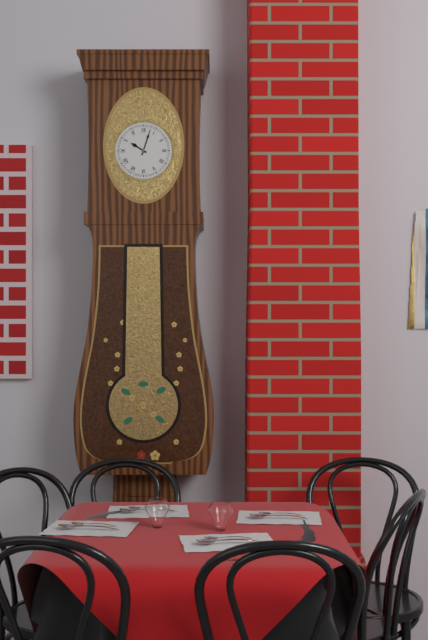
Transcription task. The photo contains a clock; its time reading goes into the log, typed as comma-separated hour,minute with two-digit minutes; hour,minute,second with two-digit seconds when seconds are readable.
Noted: 10,03
